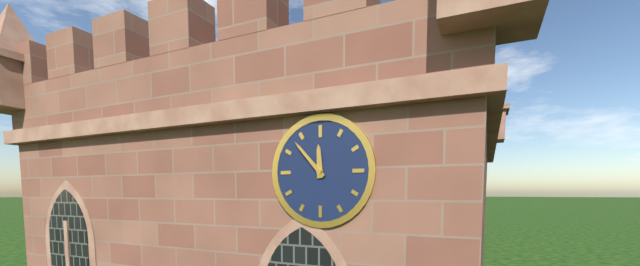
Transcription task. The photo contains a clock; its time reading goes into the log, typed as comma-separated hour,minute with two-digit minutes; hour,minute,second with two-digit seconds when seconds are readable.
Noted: 11,53
